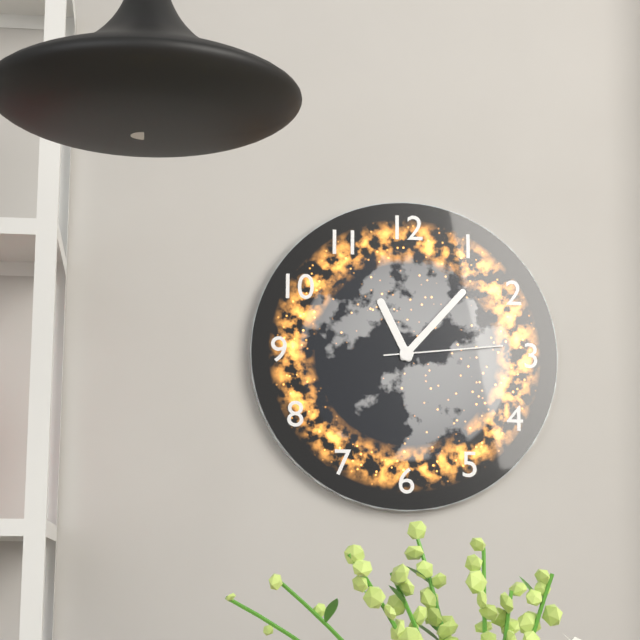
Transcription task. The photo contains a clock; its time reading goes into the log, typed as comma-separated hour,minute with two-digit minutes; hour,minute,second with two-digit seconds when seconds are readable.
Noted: 11,07,14
